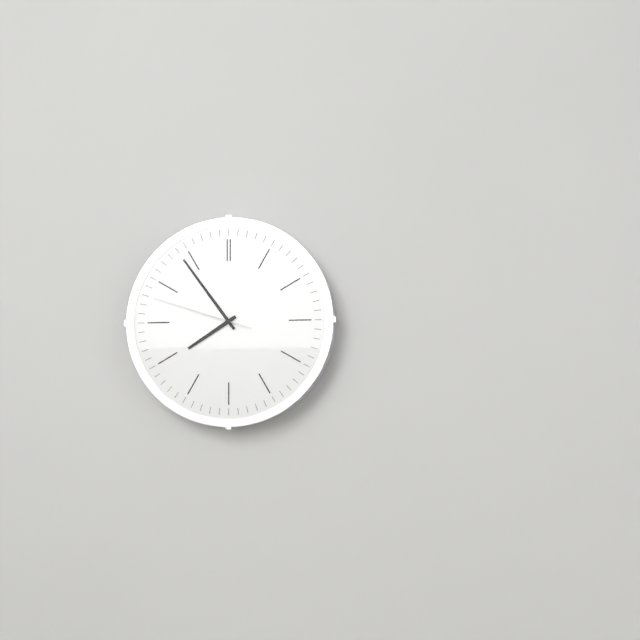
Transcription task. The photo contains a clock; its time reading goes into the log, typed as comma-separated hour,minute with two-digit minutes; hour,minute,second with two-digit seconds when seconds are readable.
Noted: 7,54,48
